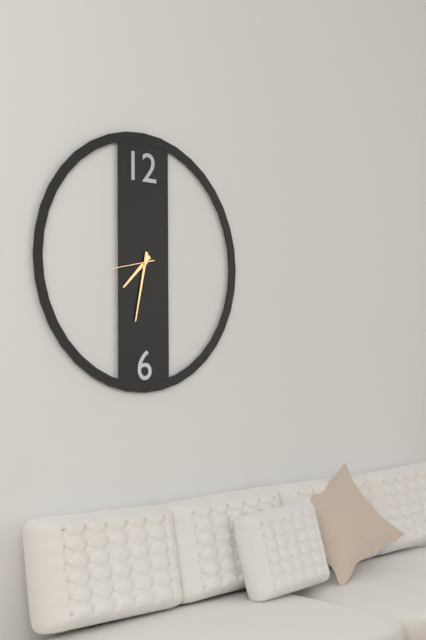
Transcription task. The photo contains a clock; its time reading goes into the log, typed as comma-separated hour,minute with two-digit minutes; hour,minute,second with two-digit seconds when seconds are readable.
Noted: 7,32
